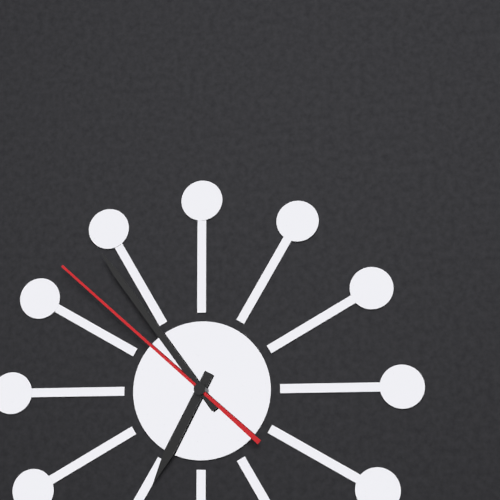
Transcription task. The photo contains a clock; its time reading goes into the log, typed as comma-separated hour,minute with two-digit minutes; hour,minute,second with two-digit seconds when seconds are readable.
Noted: 6,54,52
